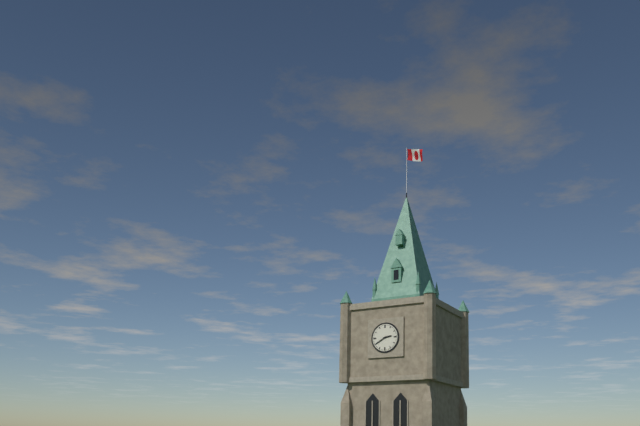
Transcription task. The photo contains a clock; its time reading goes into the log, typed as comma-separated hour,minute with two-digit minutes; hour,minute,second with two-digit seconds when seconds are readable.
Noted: 2,40
